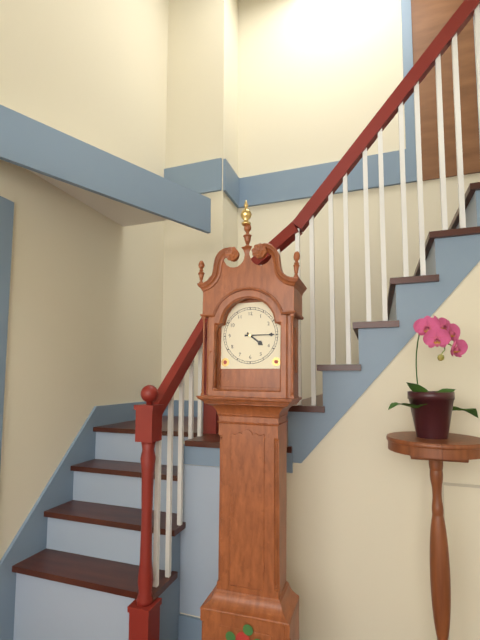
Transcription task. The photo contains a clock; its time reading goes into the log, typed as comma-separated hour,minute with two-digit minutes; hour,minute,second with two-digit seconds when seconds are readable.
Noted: 4,15
